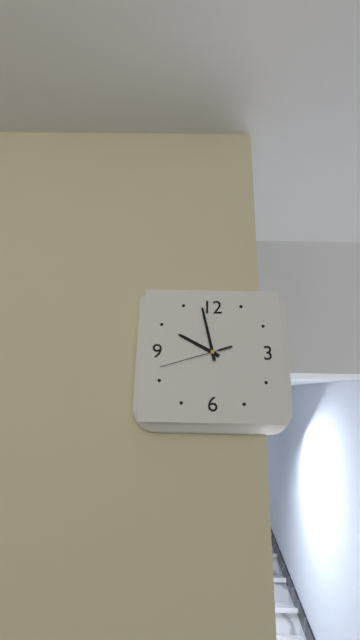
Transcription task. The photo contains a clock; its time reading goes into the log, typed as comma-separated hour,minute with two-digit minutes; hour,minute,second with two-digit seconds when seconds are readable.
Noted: 9,58,42
